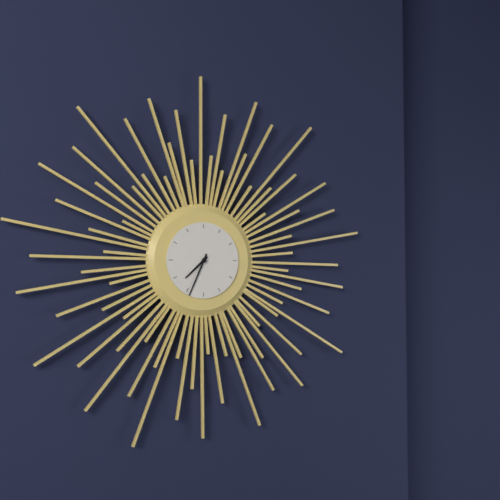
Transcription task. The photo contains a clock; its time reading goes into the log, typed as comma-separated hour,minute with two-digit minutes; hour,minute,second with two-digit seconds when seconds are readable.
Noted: 7,34
